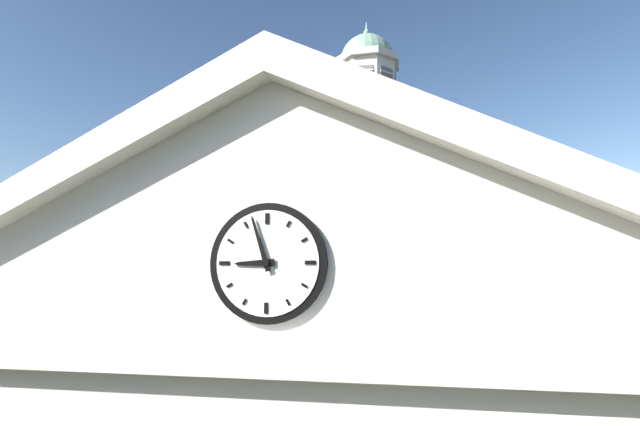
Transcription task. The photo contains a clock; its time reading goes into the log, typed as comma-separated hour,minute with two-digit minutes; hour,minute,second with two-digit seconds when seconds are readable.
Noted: 8,57
